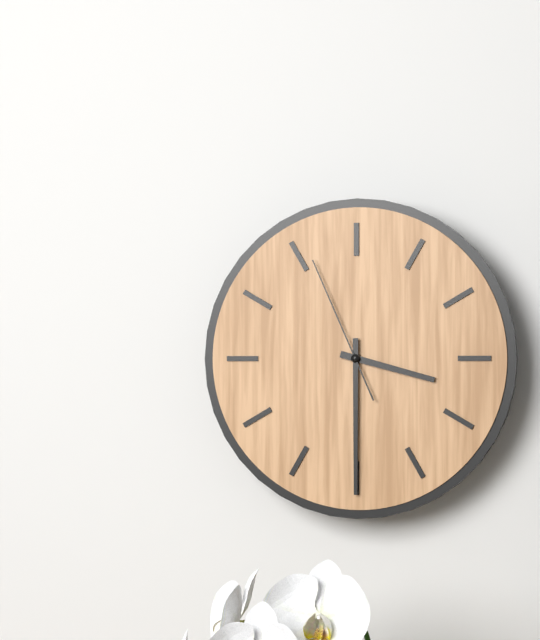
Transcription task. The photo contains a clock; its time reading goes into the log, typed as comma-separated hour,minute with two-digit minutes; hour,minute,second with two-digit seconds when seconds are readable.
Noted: 3,30,56
